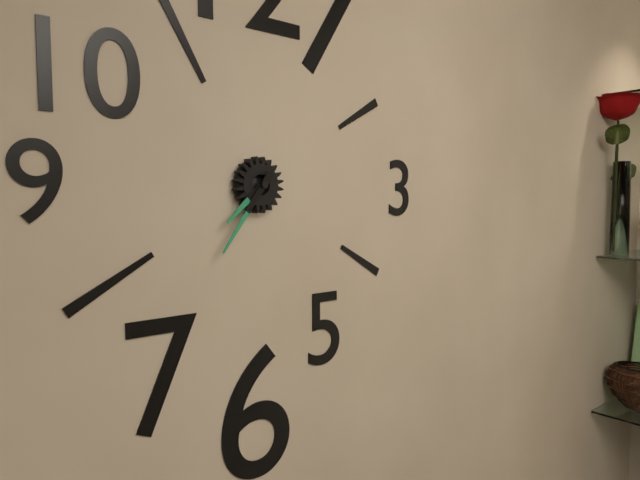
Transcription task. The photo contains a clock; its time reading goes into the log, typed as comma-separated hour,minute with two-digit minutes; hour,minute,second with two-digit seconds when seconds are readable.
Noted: 7,36
